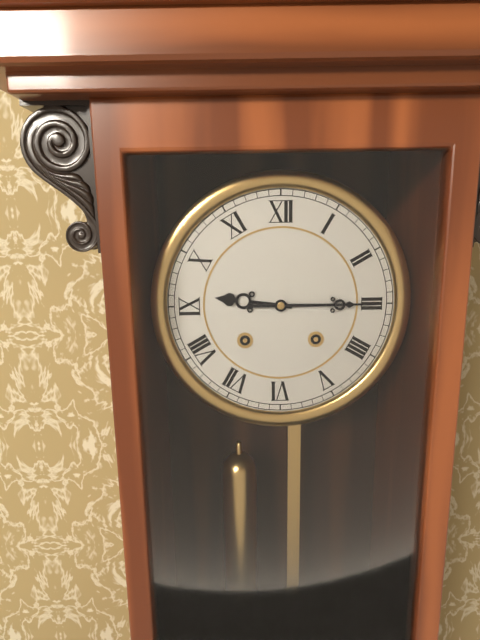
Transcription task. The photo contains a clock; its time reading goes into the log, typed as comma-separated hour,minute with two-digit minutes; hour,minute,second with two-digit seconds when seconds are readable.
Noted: 9,15
